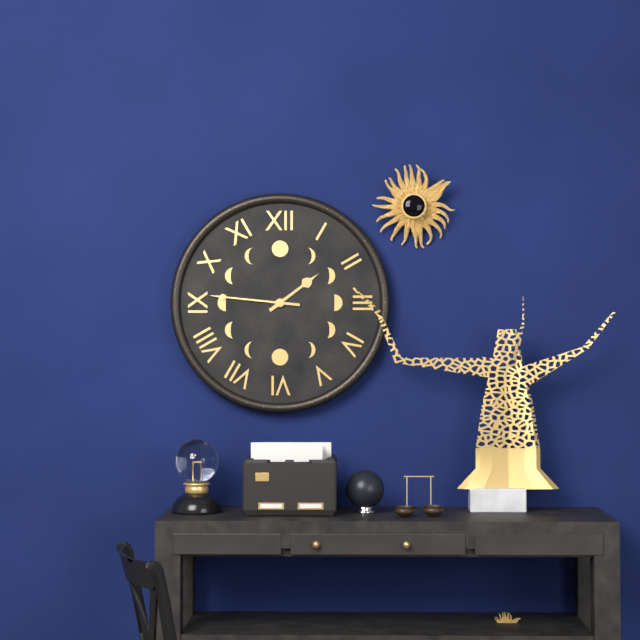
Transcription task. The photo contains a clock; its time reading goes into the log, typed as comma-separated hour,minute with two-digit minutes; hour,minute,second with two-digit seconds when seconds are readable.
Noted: 1,46
